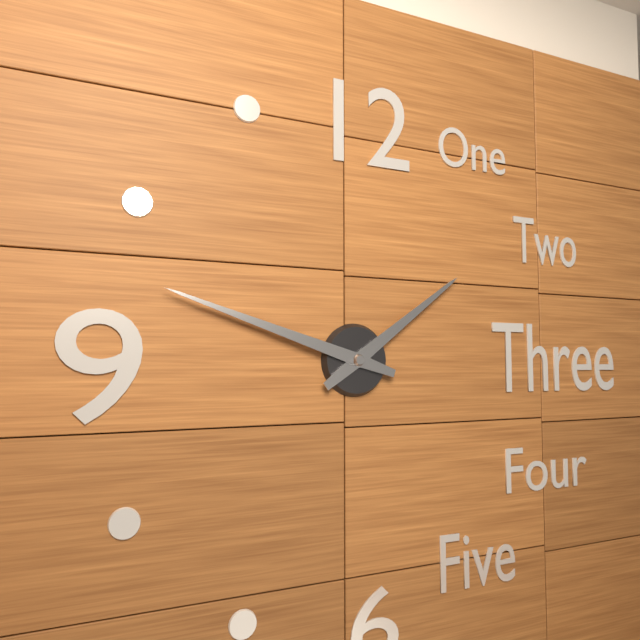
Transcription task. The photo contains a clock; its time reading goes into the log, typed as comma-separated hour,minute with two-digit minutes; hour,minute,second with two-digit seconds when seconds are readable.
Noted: 1,48
